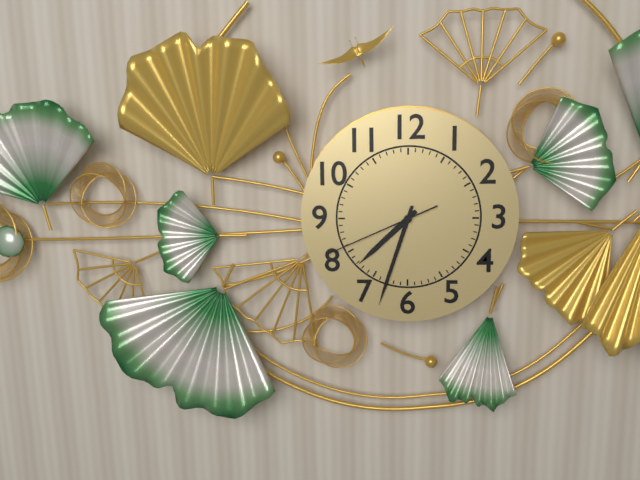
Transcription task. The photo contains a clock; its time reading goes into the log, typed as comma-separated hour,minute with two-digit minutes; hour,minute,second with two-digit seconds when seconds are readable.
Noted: 7,33,41
